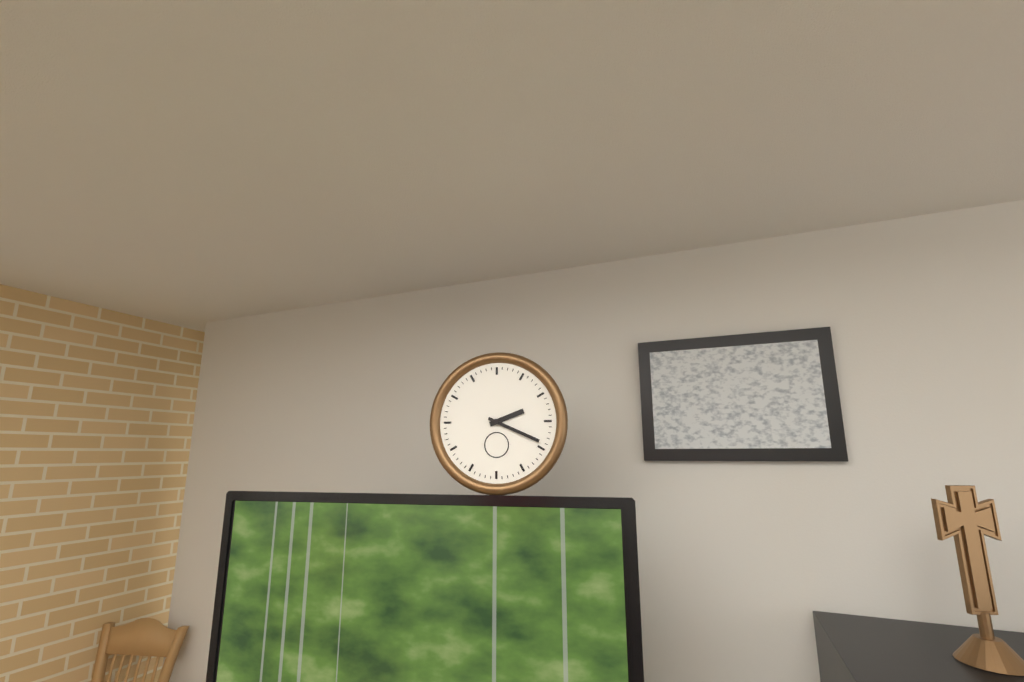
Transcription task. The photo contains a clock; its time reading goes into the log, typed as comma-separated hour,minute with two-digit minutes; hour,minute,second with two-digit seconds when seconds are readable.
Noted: 2,19
